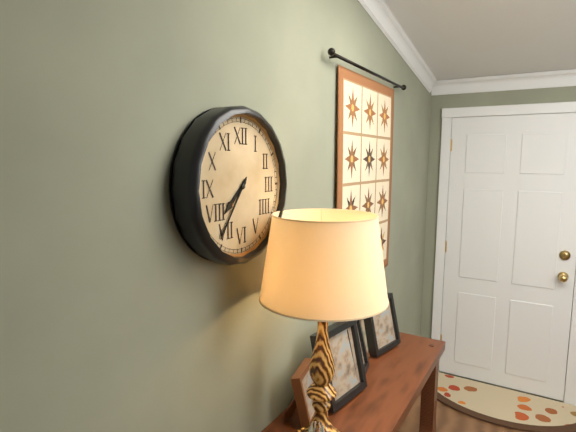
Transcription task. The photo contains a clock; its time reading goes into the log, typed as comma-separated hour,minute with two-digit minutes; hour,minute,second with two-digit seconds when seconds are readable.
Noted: 7,36
